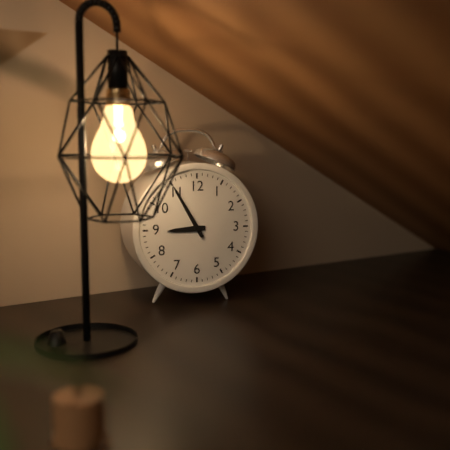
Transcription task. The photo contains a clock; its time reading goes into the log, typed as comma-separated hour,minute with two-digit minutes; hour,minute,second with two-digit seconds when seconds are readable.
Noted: 8,55
